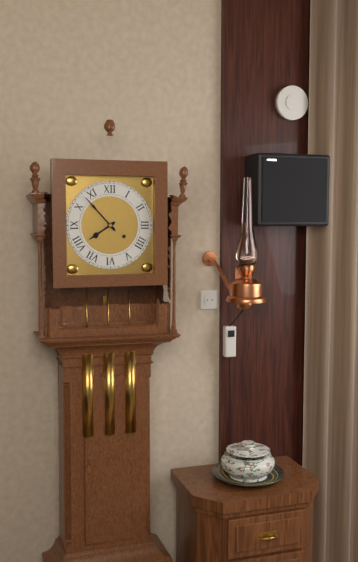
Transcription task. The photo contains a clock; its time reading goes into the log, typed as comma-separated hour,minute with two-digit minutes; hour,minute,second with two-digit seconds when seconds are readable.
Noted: 7,53
